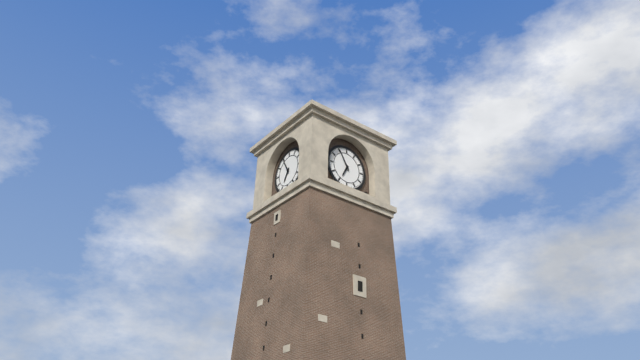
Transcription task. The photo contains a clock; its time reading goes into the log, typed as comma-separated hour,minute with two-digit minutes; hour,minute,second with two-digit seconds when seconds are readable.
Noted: 6,55
